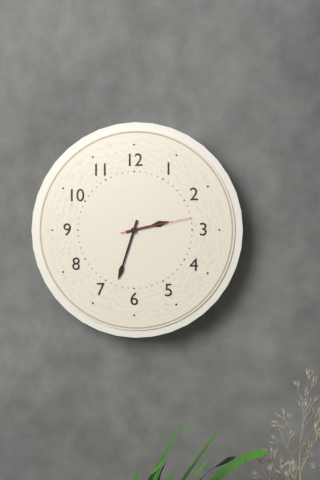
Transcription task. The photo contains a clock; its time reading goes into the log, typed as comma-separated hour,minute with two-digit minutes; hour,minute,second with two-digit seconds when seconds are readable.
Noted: 2,33,13
